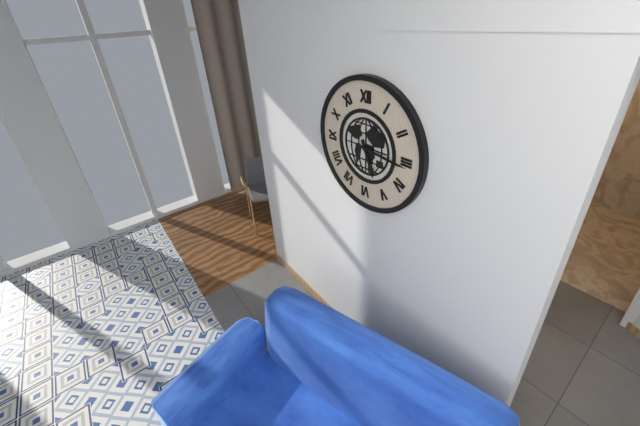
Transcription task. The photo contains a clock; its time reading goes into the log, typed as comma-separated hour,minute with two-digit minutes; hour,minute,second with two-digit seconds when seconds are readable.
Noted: 5,16
